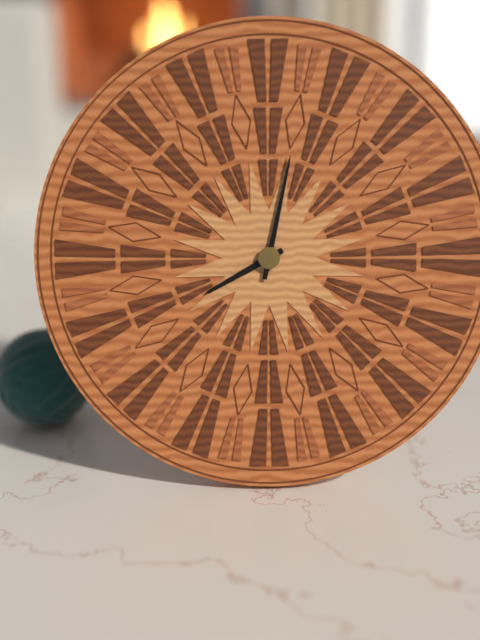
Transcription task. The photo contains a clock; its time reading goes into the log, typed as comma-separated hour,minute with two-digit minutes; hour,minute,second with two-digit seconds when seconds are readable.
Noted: 8,02
